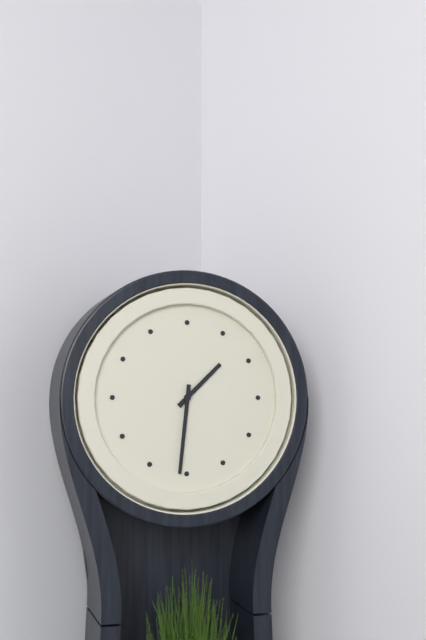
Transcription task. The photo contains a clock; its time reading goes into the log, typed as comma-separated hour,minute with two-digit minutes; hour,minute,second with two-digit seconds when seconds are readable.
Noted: 1,31
